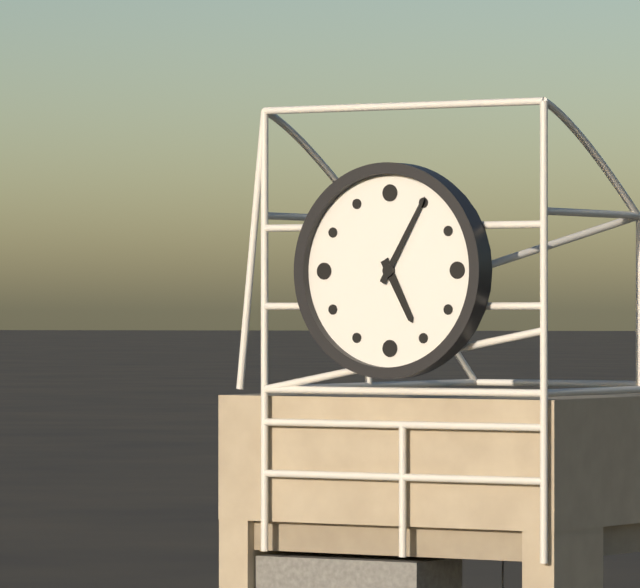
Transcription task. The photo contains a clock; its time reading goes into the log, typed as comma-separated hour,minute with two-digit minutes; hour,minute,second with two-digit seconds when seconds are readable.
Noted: 5,05
